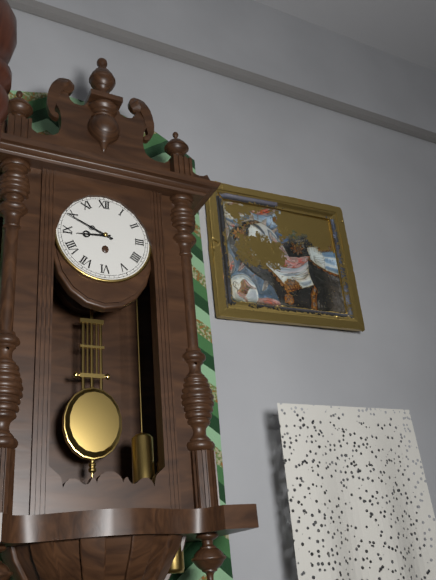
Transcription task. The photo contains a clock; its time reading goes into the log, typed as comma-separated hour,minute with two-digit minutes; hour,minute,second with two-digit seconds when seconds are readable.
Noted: 8,49
